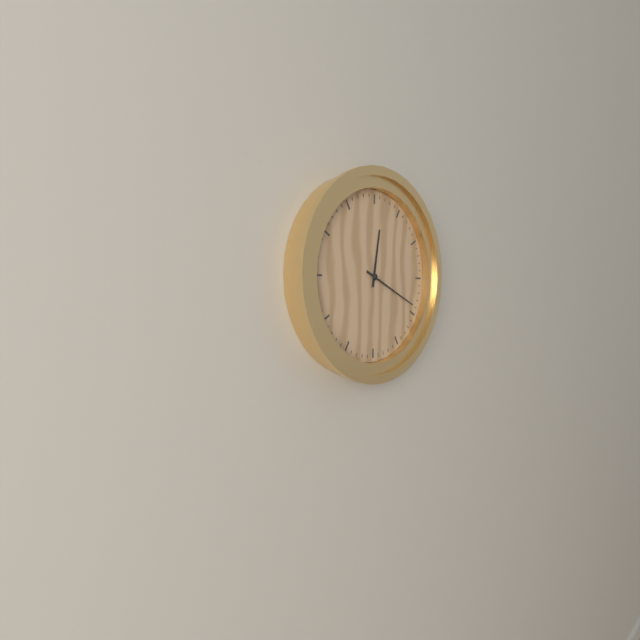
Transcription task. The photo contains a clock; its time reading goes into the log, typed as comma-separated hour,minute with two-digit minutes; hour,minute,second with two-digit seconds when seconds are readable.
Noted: 12,19
